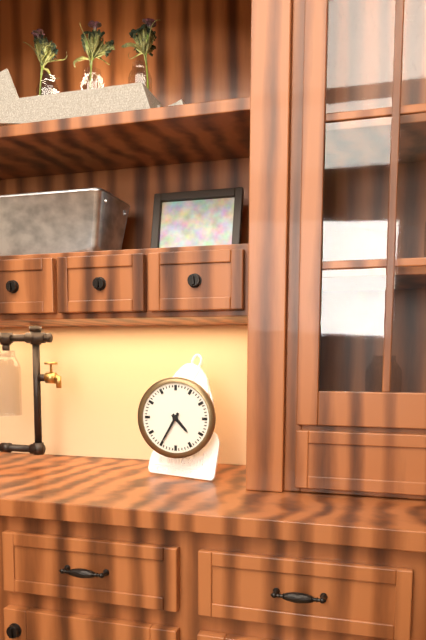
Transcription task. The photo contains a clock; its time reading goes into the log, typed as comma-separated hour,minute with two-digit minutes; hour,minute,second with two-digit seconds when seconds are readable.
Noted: 4,35
